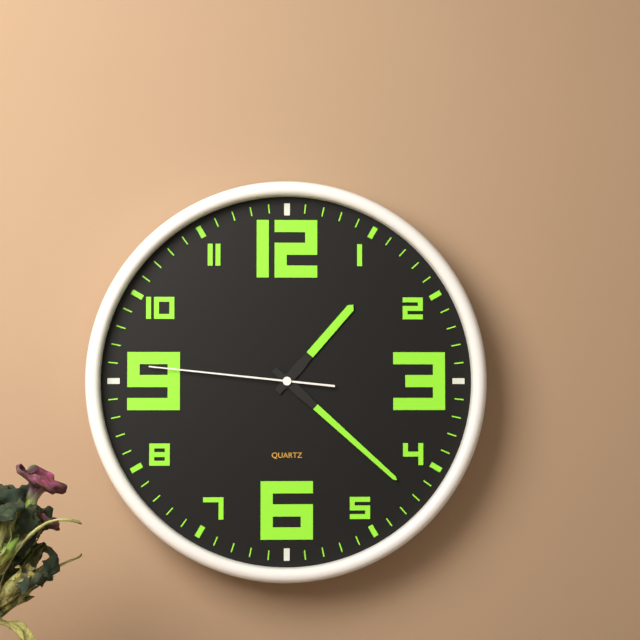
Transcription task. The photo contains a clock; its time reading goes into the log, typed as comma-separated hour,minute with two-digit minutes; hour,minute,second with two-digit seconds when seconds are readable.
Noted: 1,22,46
